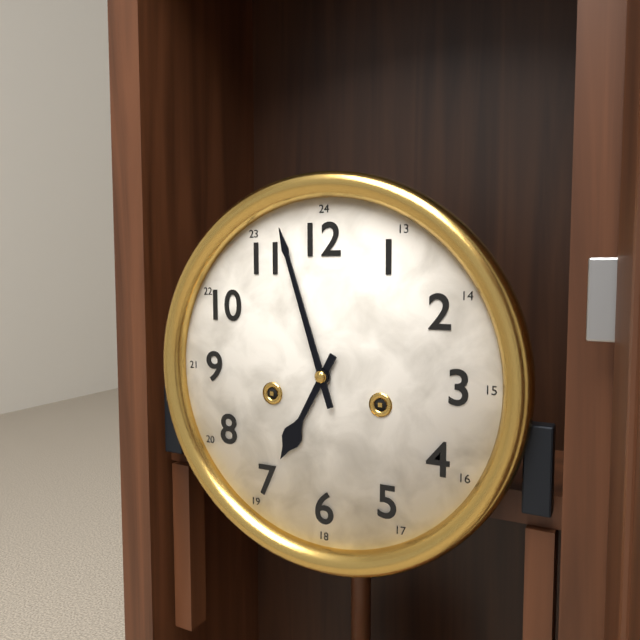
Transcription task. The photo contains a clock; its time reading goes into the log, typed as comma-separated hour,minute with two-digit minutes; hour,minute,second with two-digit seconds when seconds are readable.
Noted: 6,57
